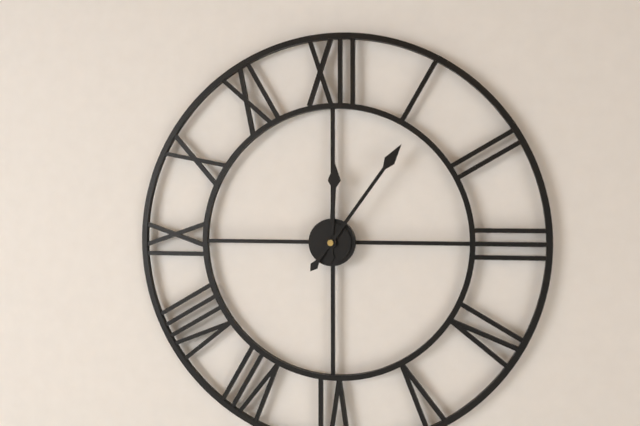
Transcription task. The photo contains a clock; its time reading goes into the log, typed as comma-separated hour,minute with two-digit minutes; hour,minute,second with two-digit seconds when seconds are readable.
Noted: 12,06
